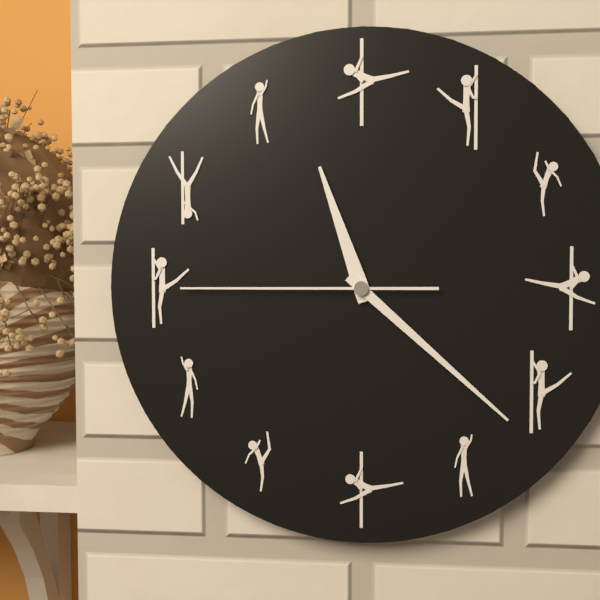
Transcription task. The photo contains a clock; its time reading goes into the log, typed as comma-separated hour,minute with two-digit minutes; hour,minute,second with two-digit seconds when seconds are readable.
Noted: 11,22,45
